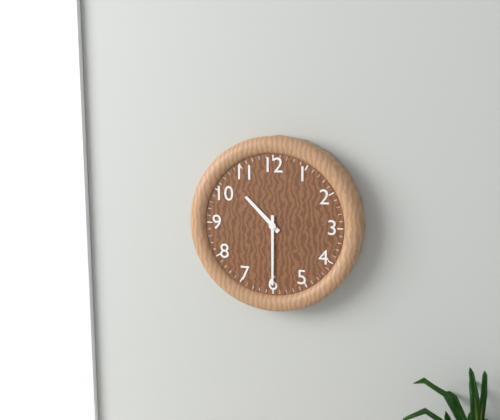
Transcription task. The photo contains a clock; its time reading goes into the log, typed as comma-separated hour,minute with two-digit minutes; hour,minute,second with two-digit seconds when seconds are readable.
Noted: 10,30
